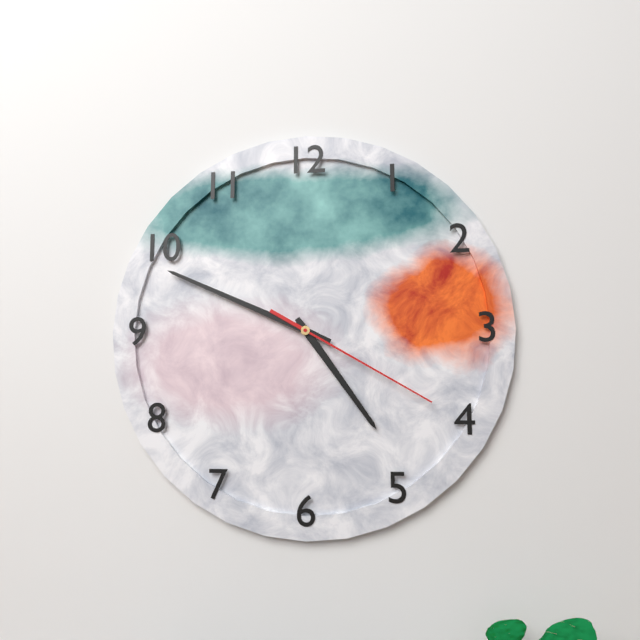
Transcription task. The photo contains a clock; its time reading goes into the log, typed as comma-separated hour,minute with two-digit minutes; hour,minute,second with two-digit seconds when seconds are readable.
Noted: 4,49,20
